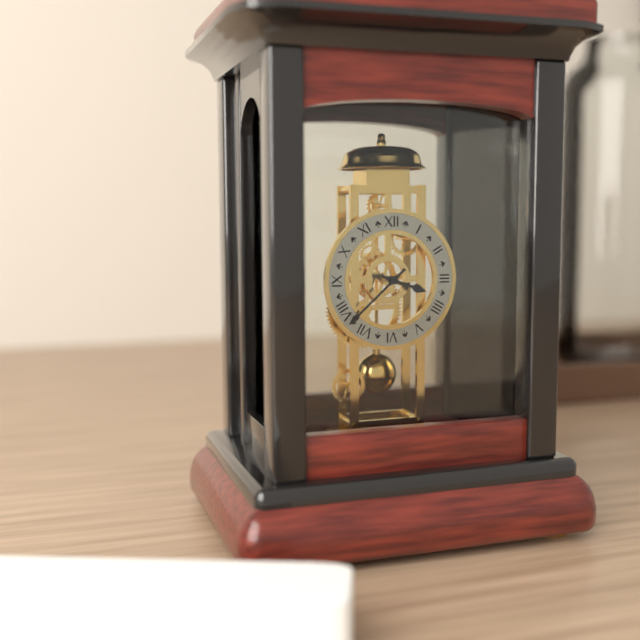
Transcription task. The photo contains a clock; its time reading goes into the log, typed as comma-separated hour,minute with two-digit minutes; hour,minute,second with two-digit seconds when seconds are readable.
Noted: 3,38
